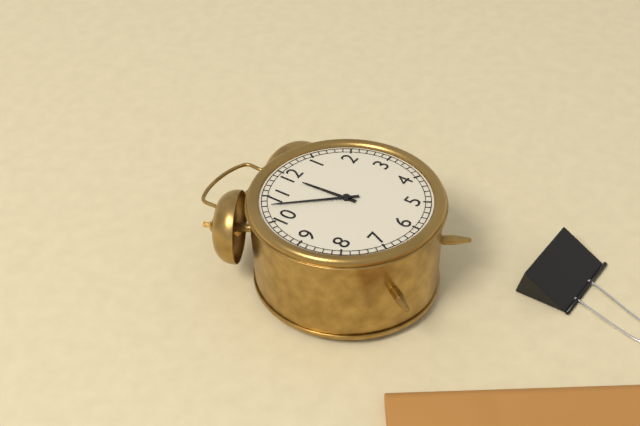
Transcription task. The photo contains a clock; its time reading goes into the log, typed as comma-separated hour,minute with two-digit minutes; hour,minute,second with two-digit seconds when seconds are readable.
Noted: 11,53
